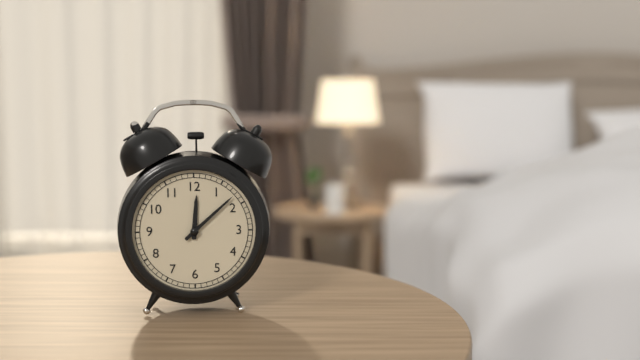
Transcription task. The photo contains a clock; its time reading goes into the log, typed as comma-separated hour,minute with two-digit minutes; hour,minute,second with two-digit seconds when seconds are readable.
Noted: 12,08
